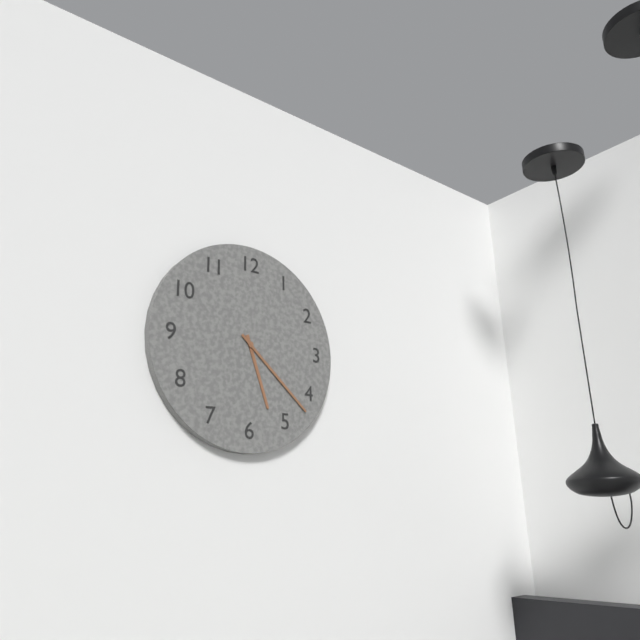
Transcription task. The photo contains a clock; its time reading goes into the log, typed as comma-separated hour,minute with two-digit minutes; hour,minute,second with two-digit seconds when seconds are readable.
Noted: 5,22
